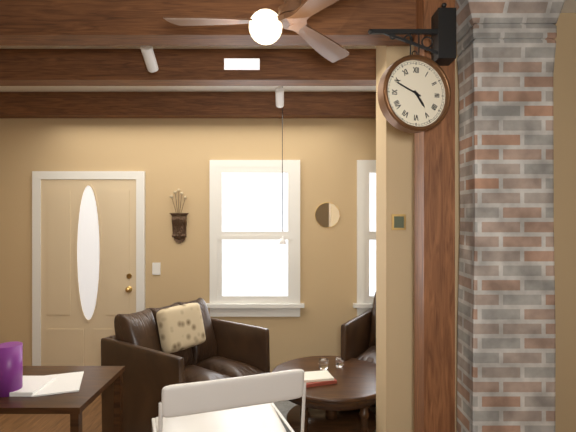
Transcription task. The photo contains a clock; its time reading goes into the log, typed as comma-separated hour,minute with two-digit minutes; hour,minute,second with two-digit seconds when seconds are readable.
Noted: 4,49
